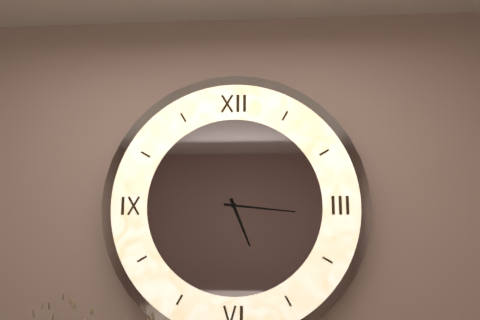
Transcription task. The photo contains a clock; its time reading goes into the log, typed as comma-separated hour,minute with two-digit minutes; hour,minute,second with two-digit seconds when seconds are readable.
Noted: 5,16
